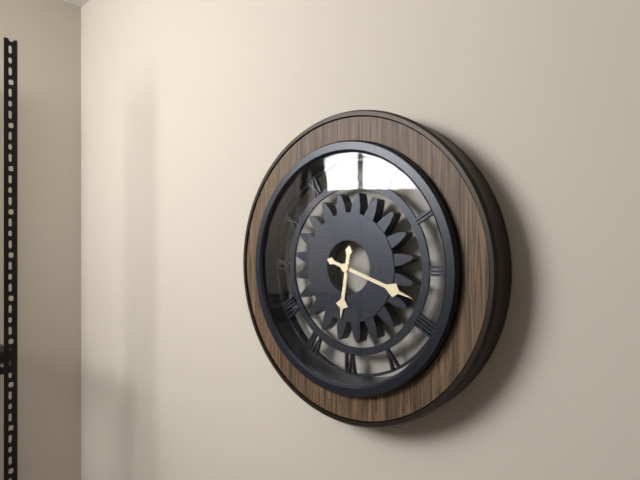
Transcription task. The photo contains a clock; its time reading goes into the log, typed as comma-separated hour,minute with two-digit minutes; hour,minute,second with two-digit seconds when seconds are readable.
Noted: 6,18
